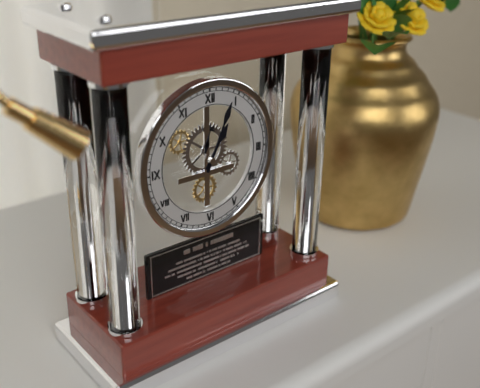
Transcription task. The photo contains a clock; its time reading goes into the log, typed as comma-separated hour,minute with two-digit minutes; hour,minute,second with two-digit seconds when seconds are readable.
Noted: 1,04
